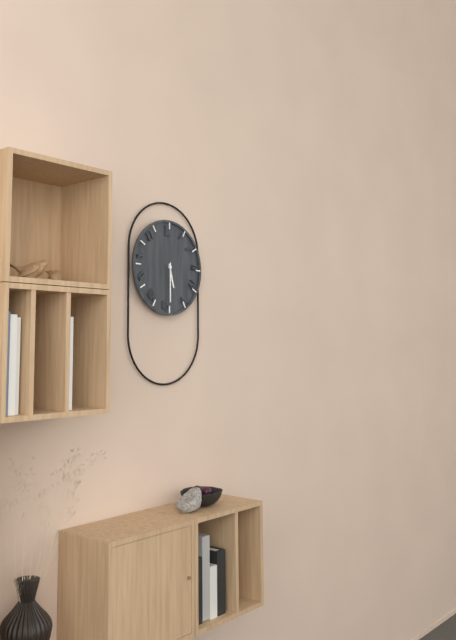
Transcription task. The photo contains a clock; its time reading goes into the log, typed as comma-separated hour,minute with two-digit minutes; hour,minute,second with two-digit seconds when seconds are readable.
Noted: 5,30
